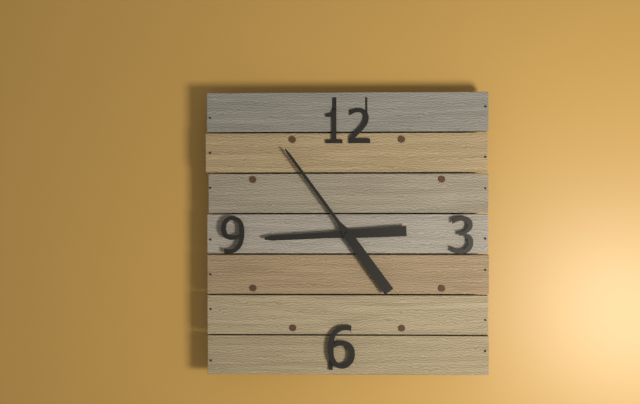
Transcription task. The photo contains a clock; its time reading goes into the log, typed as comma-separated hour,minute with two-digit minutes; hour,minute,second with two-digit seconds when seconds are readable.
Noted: 8,54
